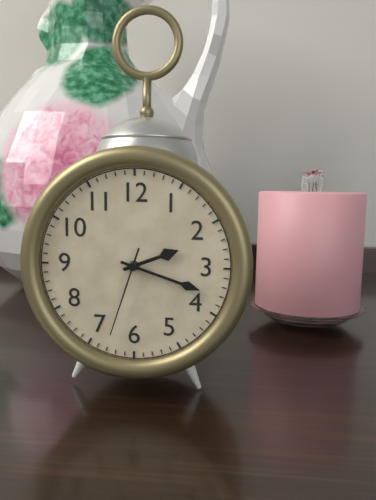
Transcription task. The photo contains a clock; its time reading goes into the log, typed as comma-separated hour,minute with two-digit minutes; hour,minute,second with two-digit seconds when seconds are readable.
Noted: 2,18,33
